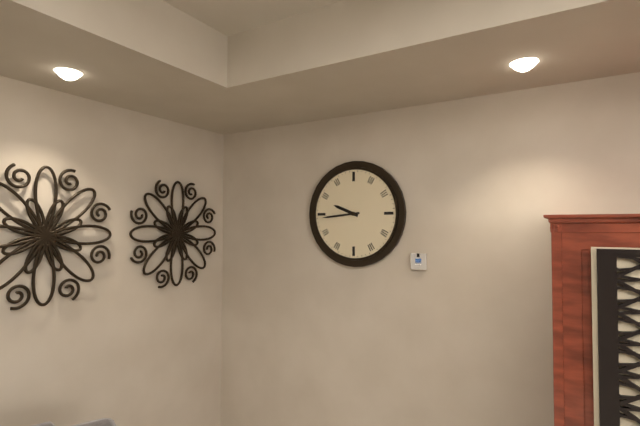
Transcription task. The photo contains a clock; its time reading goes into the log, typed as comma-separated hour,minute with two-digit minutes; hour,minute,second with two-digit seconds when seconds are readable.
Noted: 9,44
